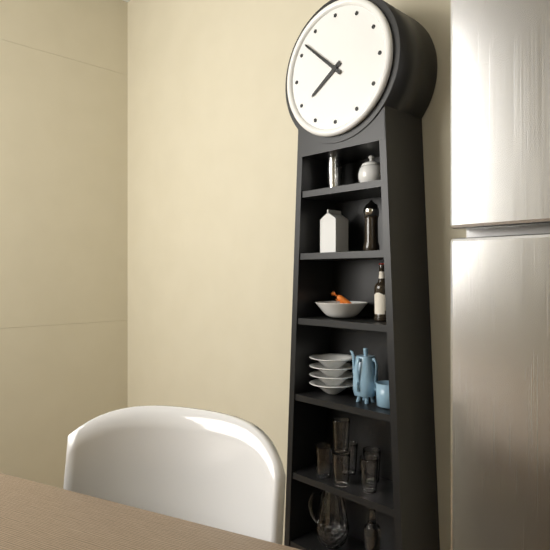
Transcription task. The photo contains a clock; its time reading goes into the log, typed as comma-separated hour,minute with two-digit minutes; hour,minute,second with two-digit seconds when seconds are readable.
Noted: 7,52
